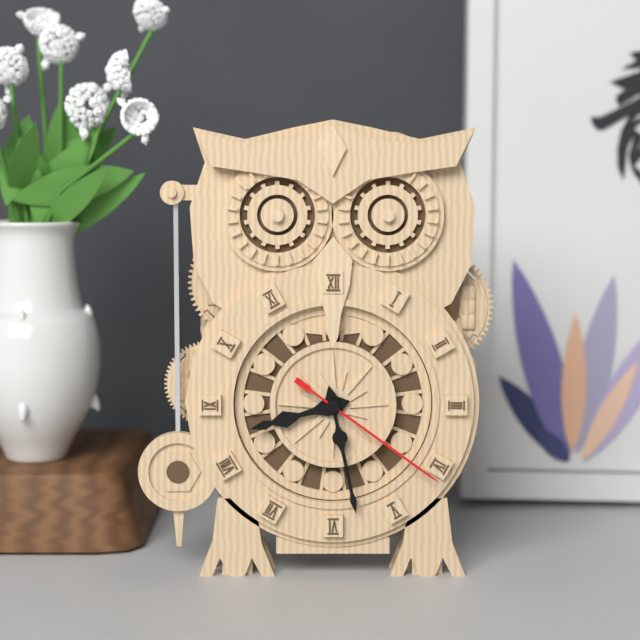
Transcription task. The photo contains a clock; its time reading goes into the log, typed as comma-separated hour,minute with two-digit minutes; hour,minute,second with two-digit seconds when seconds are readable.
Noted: 8,28,21
